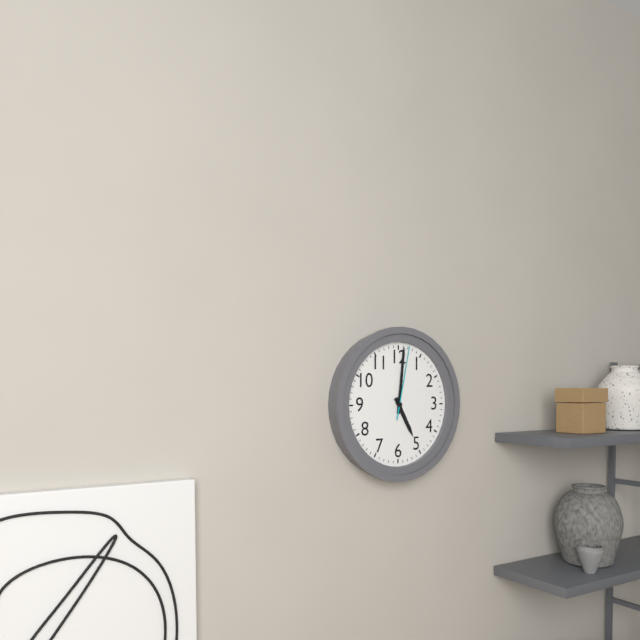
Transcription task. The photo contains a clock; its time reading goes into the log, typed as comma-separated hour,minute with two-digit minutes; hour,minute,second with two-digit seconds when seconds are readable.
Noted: 5,01,02
